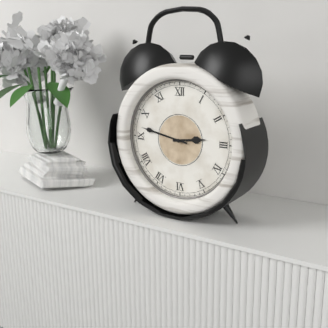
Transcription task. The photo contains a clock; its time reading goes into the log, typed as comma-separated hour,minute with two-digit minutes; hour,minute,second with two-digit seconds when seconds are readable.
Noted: 2,47
